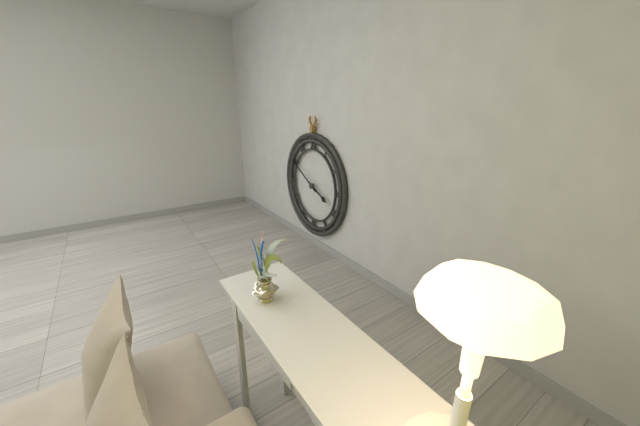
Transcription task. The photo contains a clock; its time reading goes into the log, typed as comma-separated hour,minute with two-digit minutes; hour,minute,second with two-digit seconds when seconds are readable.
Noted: 3,50
